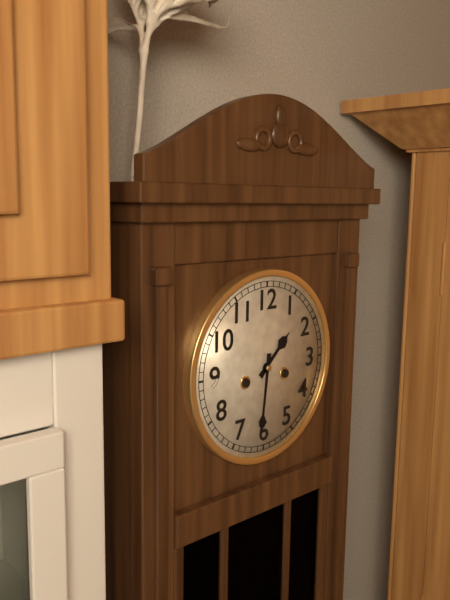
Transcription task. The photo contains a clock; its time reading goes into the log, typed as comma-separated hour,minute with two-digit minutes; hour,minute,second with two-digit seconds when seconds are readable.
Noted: 1,31
